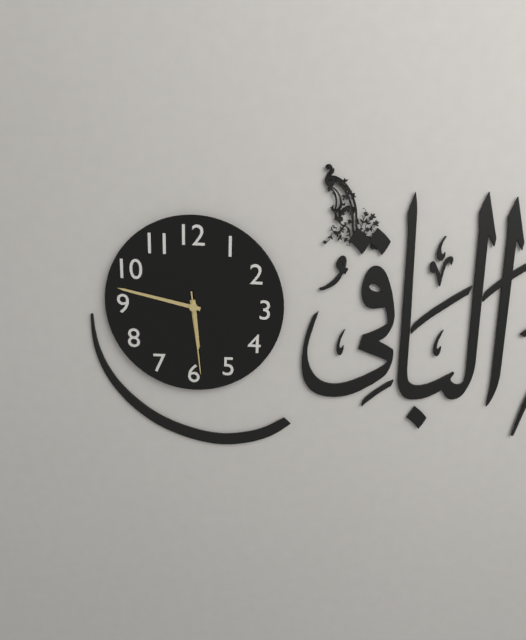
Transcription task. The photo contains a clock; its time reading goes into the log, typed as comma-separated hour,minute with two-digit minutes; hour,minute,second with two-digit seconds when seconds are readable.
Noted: 5,47,29
